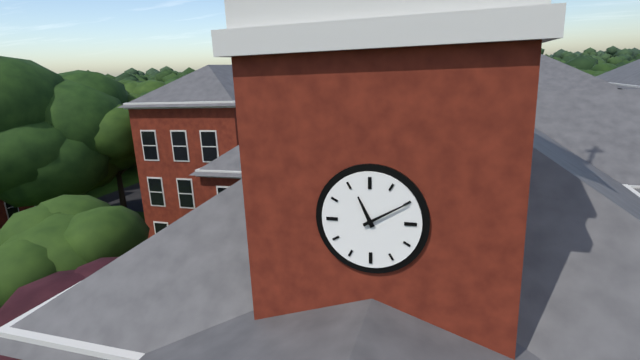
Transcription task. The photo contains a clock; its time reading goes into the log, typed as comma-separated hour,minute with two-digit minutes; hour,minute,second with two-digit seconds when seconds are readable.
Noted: 11,10
